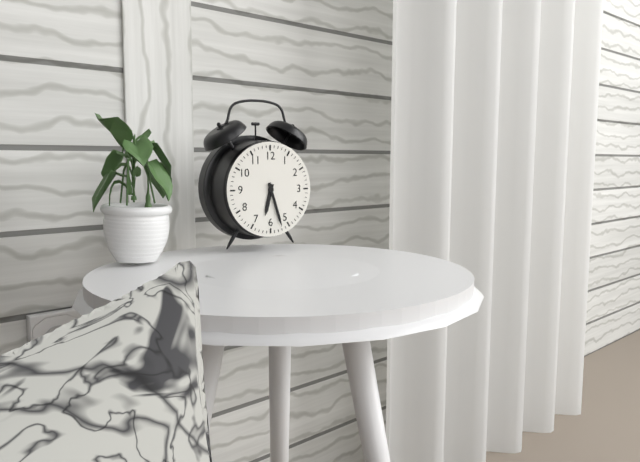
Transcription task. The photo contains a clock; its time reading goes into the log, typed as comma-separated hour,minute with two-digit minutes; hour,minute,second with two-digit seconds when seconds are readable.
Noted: 6,27
